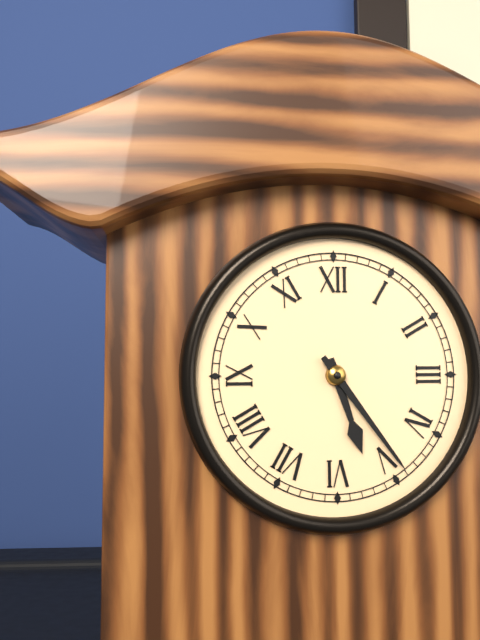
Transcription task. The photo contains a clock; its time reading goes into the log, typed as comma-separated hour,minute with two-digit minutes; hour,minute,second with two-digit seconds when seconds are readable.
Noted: 5,24
